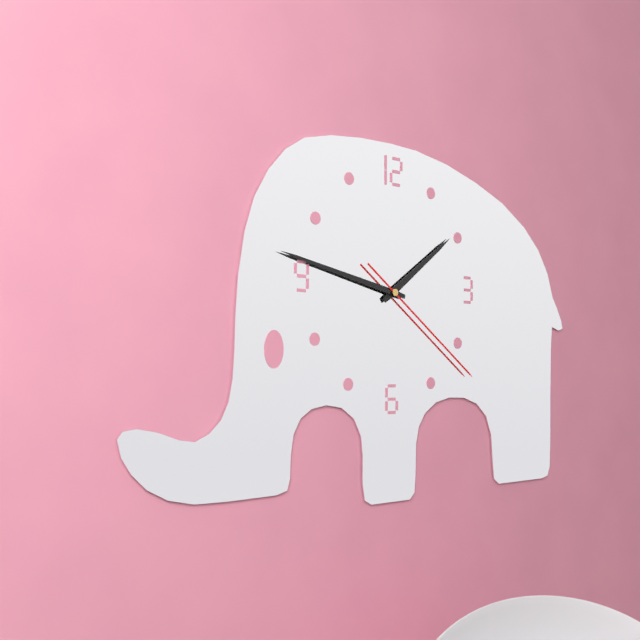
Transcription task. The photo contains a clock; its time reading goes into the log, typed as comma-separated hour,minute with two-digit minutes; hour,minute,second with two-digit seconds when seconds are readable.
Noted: 1,47,21
